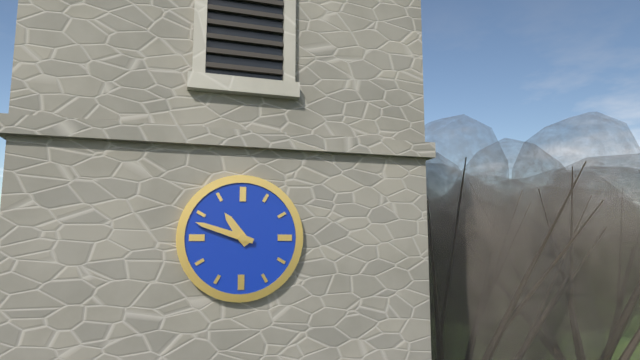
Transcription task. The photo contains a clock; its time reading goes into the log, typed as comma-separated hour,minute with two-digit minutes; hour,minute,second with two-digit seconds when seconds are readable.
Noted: 10,48
